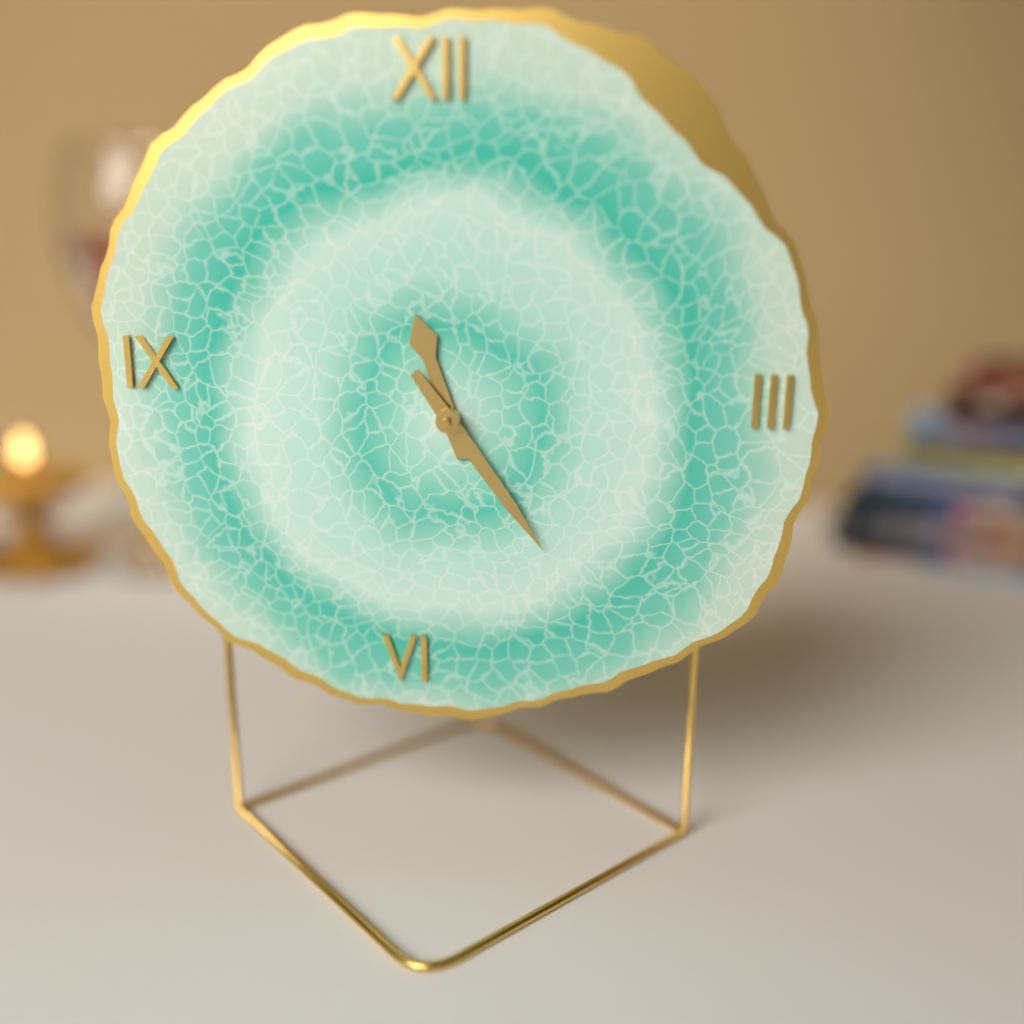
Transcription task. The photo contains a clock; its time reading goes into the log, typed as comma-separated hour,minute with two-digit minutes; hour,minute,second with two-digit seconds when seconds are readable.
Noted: 11,24
